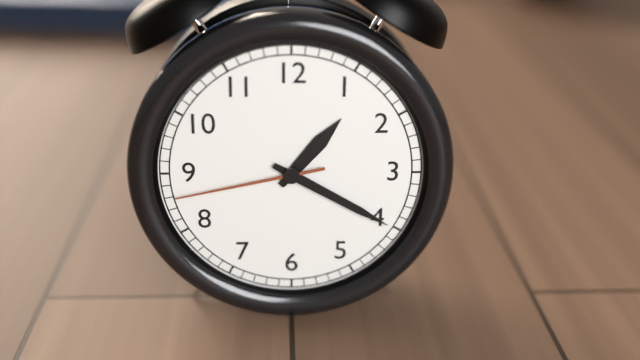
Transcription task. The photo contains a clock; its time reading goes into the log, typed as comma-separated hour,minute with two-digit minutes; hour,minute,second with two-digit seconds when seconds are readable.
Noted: 1,20,43
